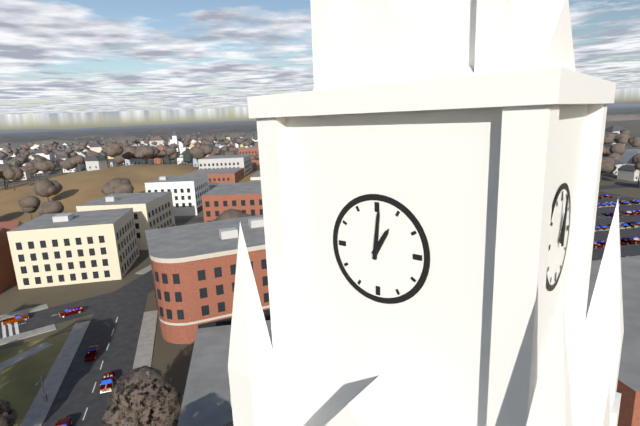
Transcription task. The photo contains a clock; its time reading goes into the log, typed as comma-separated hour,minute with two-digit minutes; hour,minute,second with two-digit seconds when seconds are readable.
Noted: 1,01
